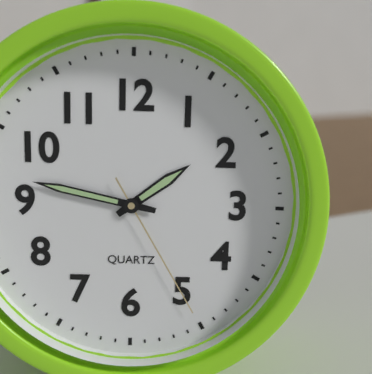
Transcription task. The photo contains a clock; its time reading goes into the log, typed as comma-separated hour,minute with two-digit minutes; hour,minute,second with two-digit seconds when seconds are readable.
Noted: 1,47,25
